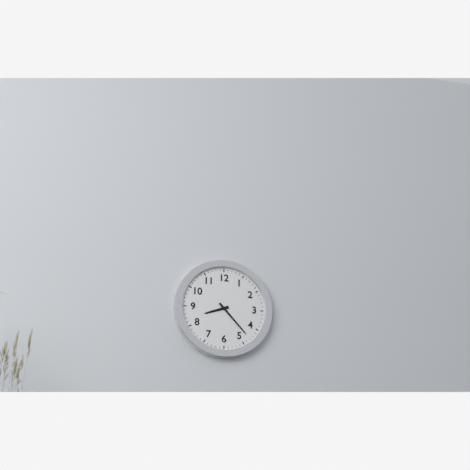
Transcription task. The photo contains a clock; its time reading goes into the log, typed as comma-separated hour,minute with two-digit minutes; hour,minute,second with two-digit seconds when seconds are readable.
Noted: 8,23
